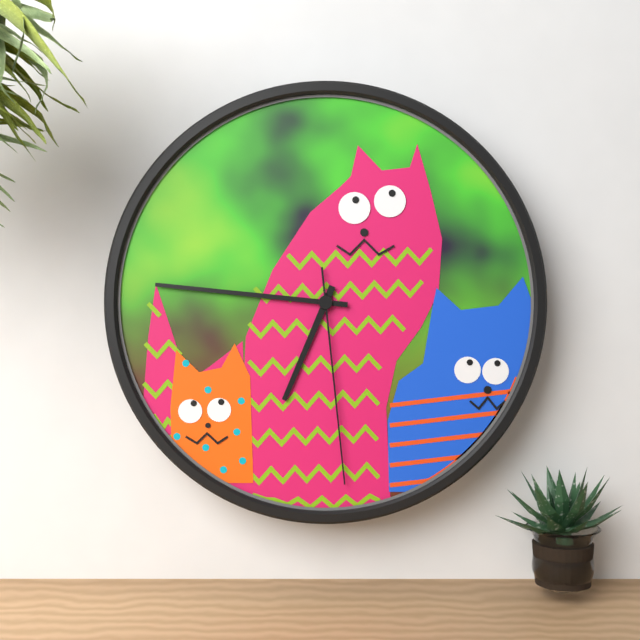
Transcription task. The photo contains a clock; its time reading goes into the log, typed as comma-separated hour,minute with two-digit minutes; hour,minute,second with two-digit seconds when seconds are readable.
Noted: 6,46,29
